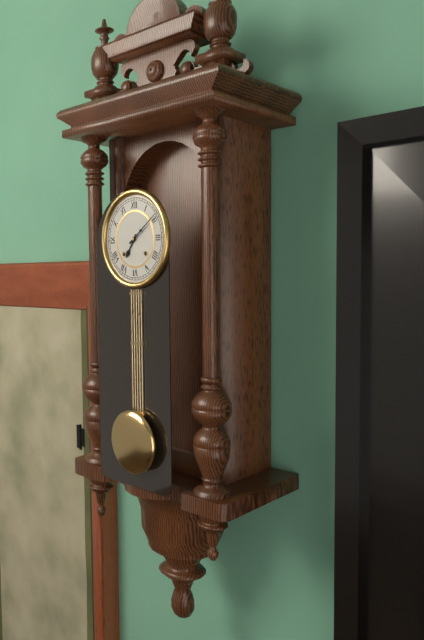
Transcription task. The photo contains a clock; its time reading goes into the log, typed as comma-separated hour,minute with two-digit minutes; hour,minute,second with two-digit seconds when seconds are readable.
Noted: 7,09
